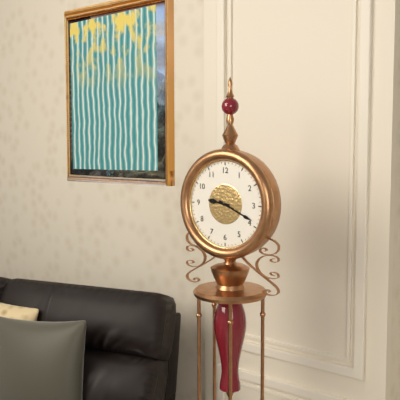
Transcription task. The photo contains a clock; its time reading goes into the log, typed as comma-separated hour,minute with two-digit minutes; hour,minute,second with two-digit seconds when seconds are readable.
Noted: 9,19
